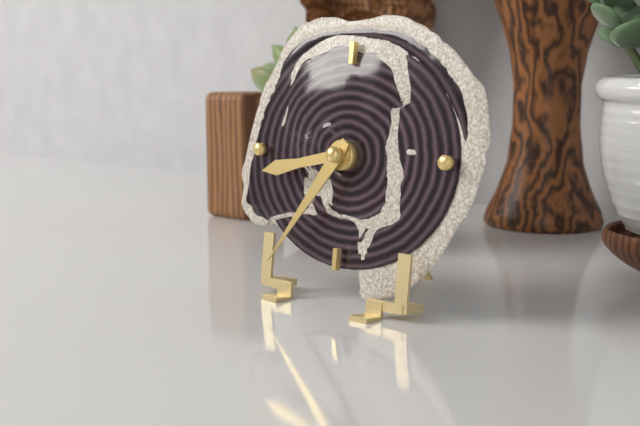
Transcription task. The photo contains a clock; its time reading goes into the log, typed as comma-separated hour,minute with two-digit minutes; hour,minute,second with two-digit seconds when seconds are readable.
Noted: 8,36
